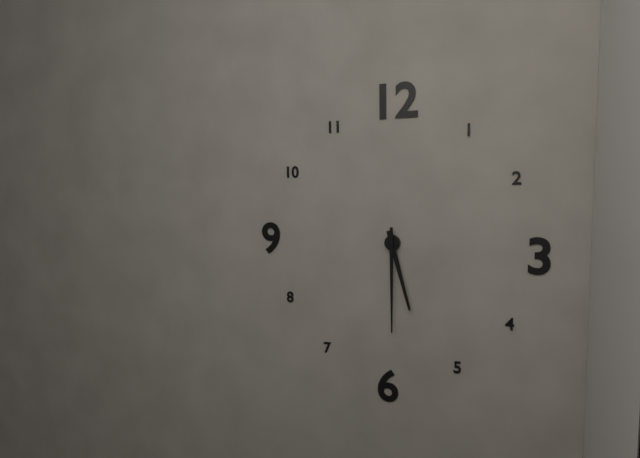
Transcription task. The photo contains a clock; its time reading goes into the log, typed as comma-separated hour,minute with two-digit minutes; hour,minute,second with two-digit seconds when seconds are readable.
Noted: 5,30
